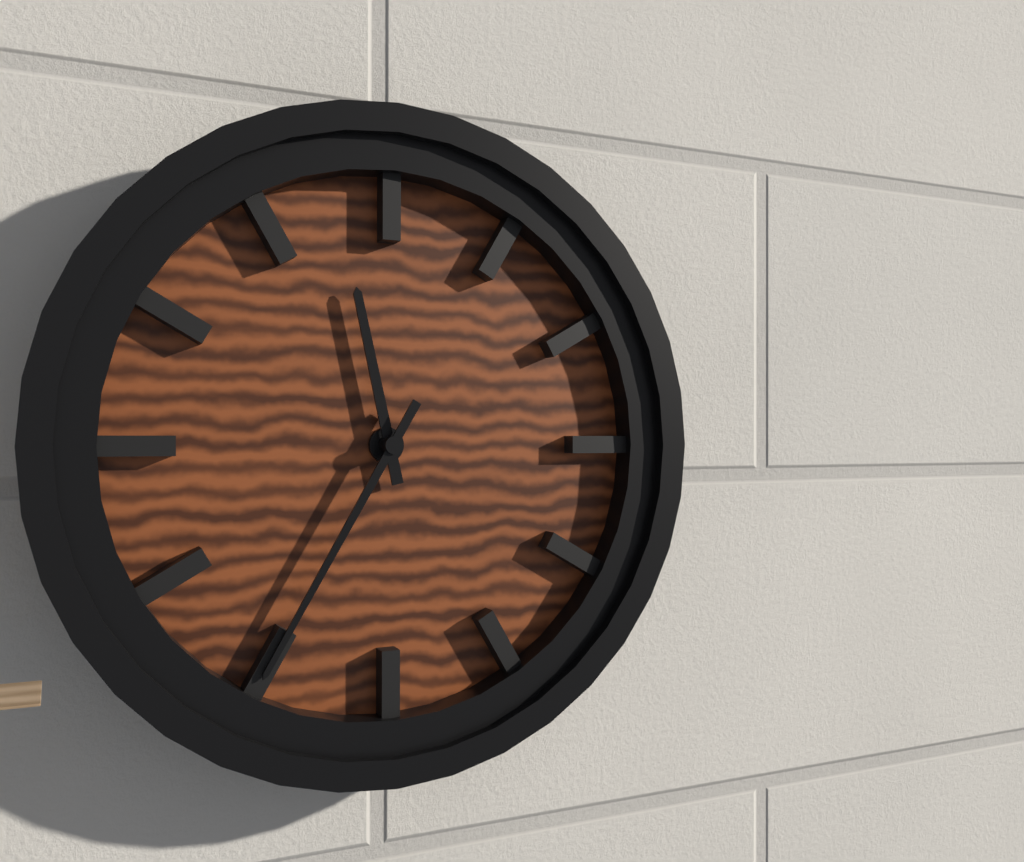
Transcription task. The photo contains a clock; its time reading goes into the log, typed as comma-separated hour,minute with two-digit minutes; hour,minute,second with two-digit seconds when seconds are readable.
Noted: 11,35
